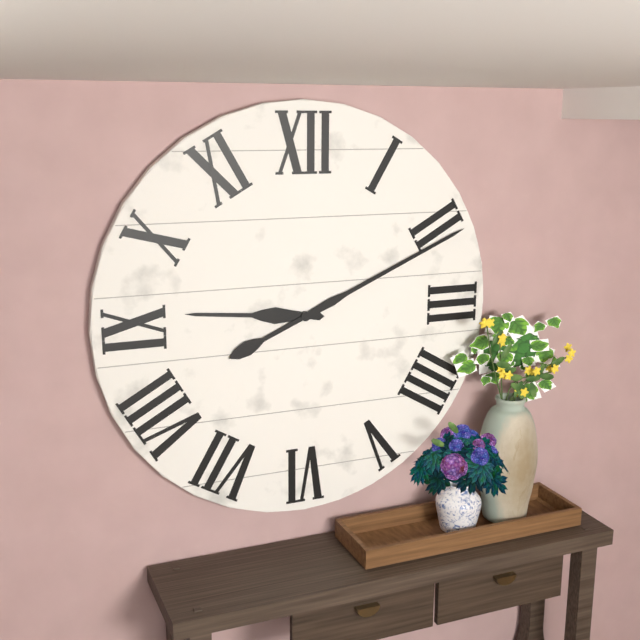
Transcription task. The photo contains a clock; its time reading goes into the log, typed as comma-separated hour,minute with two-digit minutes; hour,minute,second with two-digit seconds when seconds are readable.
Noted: 9,11
